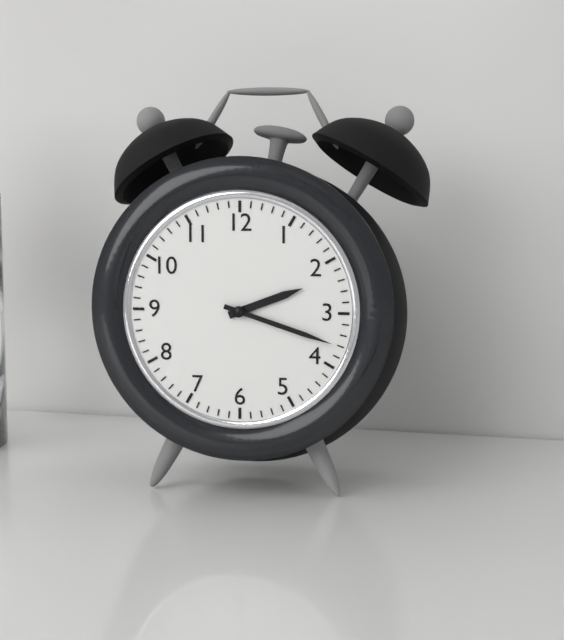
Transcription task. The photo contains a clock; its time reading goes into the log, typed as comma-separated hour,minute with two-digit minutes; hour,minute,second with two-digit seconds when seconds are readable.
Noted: 2,18
